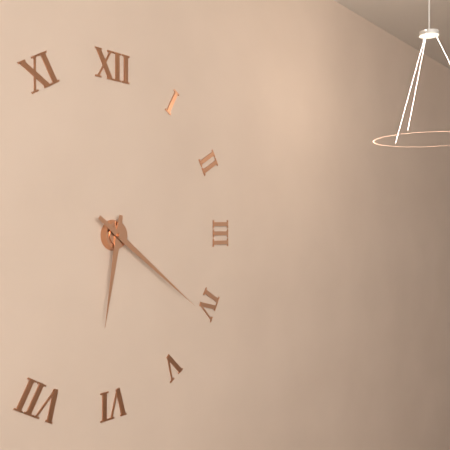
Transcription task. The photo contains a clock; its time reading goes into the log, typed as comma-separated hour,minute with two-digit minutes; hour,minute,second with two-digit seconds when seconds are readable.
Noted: 6,21
